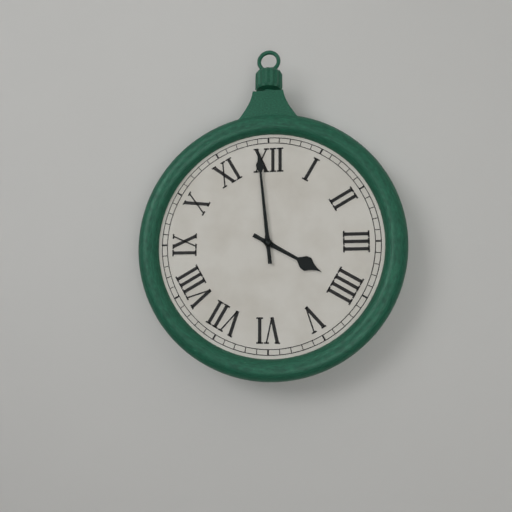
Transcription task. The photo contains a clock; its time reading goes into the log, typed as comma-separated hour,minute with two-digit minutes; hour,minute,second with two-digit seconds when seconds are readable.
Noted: 3,59
